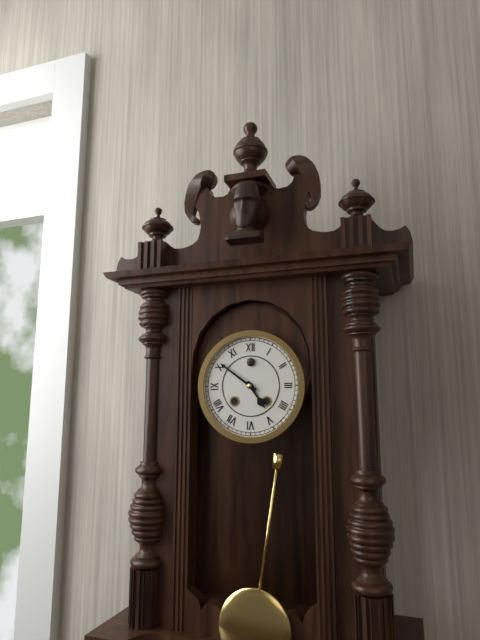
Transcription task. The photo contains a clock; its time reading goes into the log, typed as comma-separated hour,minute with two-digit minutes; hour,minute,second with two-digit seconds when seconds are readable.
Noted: 4,51
